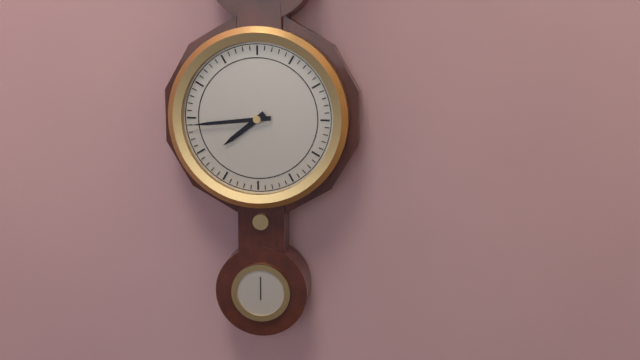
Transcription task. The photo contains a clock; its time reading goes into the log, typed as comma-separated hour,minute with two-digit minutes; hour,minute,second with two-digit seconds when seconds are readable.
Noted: 7,44
